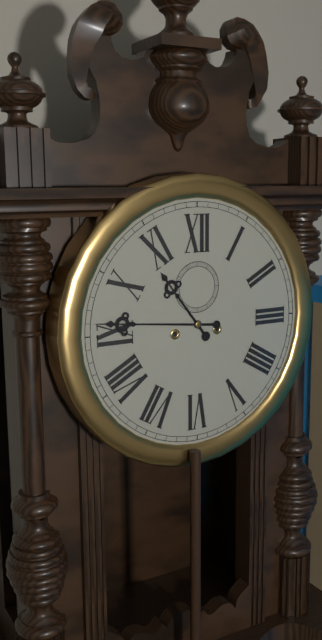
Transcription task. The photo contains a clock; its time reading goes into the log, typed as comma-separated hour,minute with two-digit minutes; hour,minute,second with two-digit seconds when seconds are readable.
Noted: 10,46
